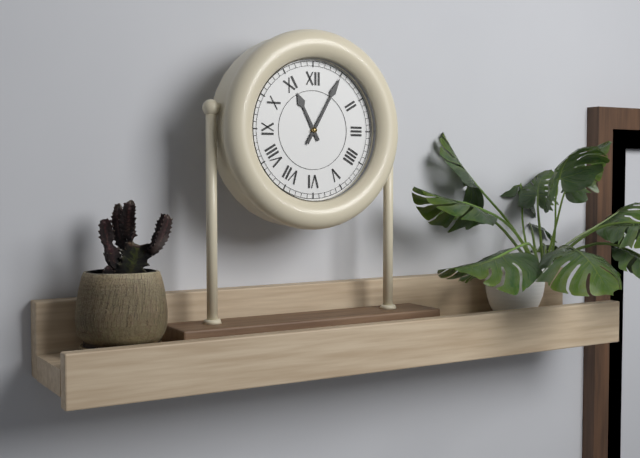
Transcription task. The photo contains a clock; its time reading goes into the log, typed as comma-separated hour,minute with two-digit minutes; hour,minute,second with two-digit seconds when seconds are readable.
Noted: 11,05
